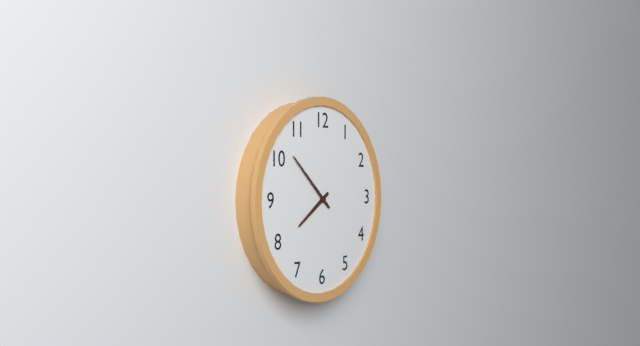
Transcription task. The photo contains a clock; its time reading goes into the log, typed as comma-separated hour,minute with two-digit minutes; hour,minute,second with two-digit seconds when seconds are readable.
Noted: 7,52
